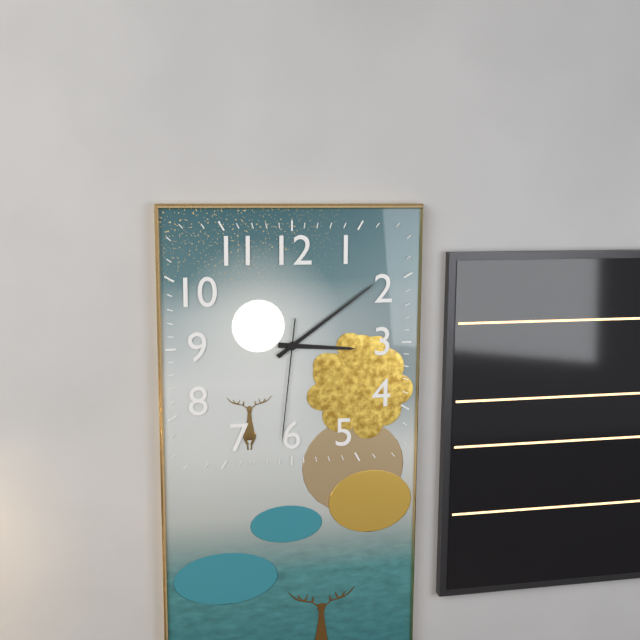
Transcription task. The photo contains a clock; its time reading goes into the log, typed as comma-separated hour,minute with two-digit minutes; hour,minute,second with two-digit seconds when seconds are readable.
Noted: 3,09,31
